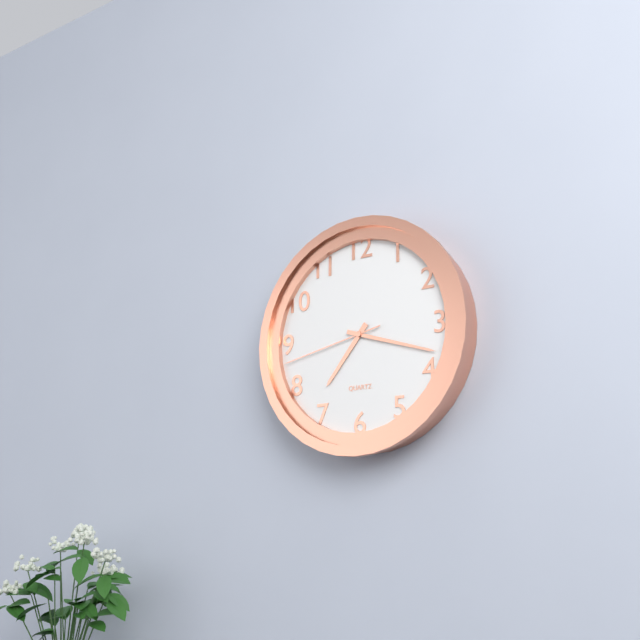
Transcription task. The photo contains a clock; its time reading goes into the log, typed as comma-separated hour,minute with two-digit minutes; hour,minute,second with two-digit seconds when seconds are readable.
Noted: 7,18,43
